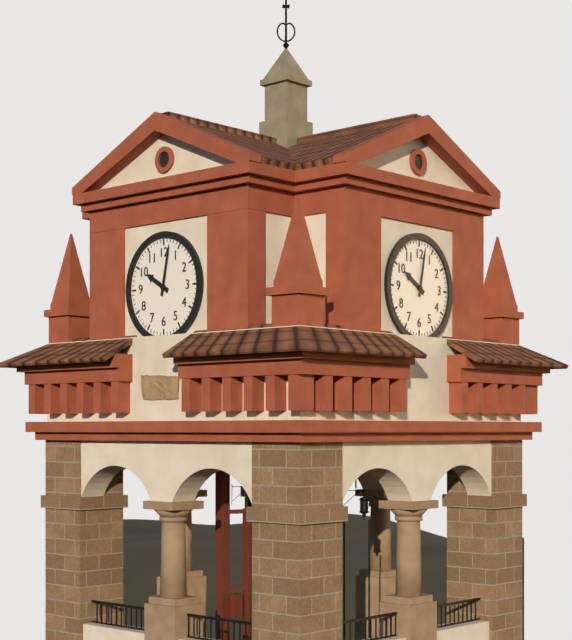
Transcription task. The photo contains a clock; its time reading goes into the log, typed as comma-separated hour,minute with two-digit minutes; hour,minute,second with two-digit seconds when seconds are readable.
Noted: 10,02
